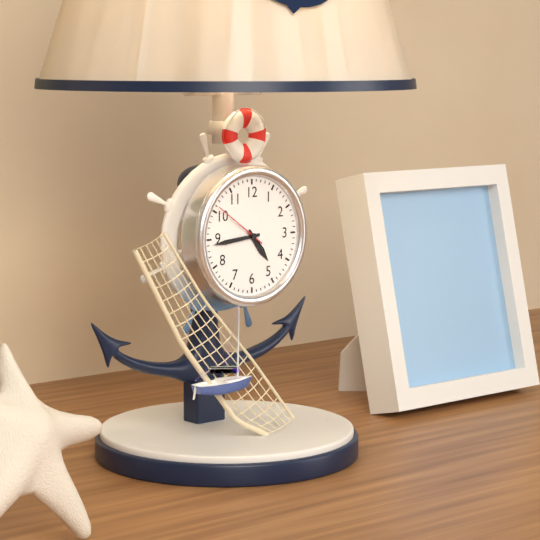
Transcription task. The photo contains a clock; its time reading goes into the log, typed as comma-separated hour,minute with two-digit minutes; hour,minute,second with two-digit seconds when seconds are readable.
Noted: 4,44,51
